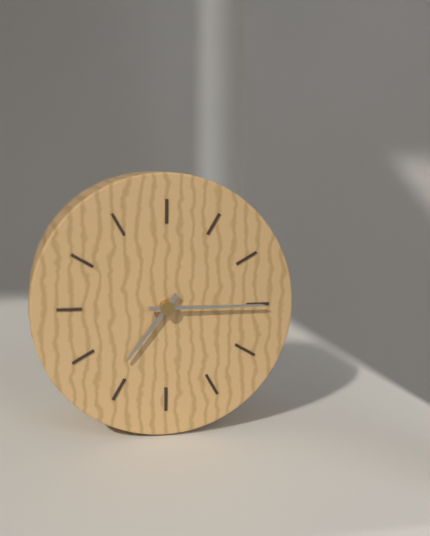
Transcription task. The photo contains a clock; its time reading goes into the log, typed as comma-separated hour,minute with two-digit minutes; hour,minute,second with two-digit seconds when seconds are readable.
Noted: 7,15
